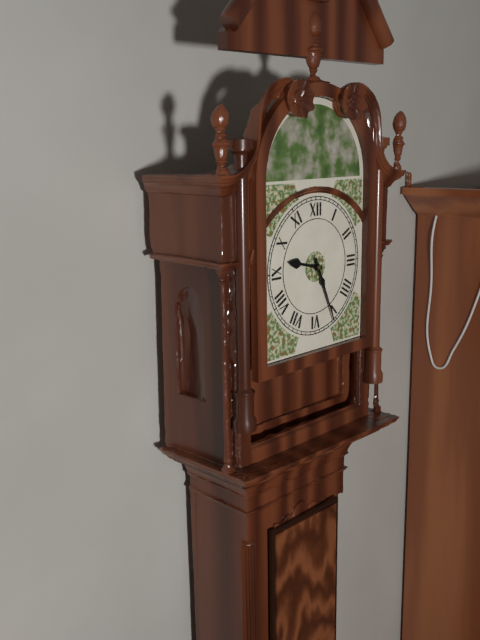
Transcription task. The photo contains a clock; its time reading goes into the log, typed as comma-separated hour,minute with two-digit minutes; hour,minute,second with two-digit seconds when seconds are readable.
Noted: 9,26
